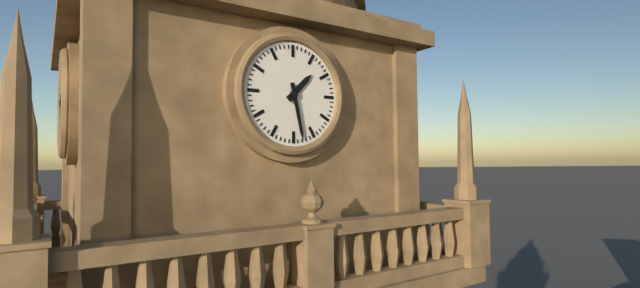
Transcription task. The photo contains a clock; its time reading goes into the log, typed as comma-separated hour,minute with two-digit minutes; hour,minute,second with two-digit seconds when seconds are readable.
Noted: 1,28
